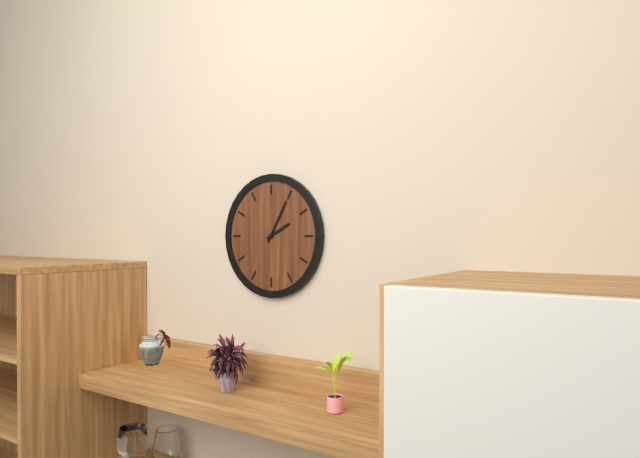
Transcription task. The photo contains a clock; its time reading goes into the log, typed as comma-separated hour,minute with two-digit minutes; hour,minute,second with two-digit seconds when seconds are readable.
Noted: 2,05
